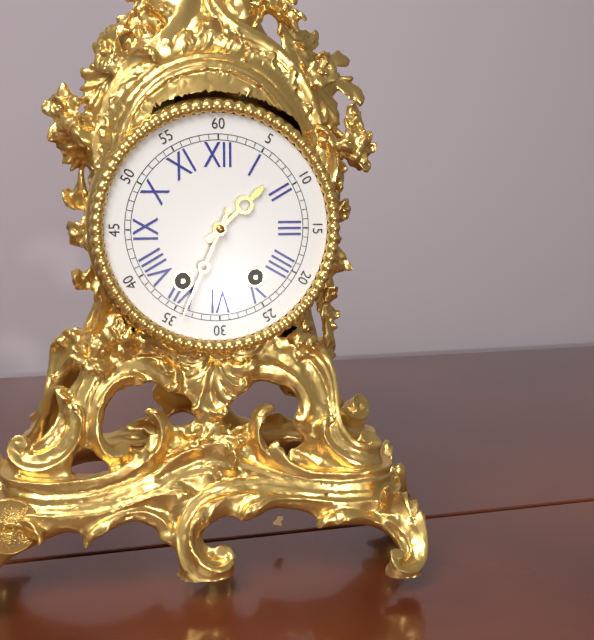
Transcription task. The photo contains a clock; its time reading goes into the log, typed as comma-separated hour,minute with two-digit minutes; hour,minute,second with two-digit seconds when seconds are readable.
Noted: 1,34
